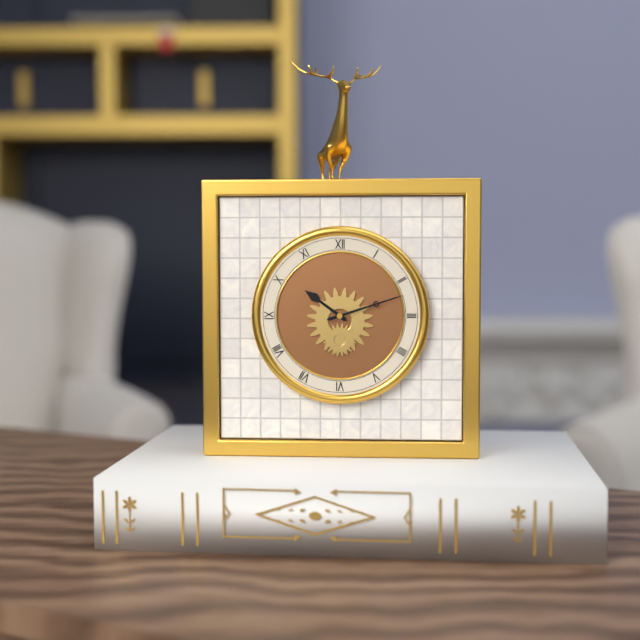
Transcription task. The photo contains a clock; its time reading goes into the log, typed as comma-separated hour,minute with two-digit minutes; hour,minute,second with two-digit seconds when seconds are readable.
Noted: 10,12
